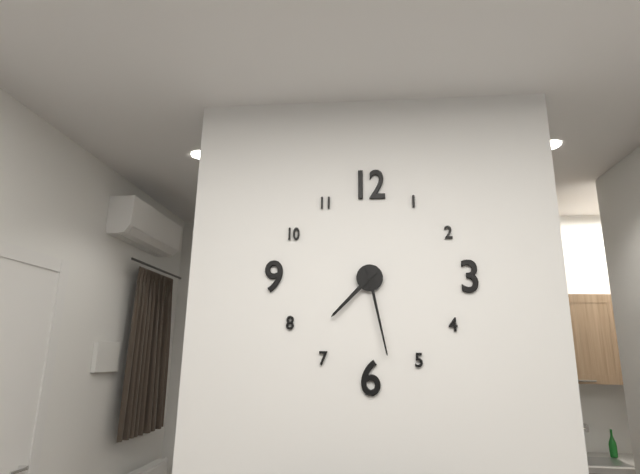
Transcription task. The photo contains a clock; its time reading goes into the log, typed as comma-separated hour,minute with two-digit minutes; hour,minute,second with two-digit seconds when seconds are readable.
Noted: 7,28
